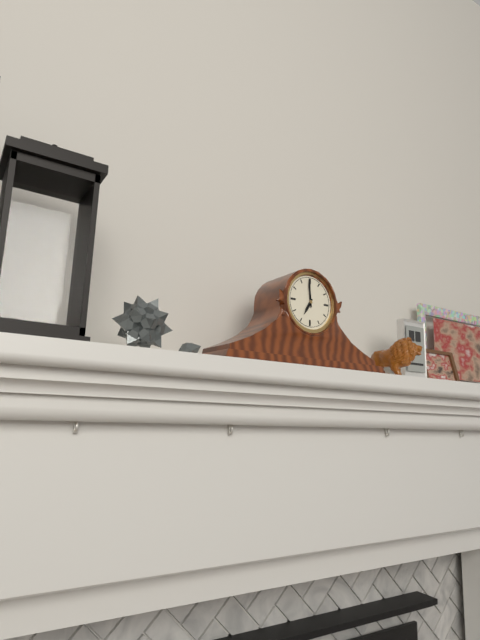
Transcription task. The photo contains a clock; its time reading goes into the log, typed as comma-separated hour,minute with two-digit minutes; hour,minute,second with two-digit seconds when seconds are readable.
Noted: 6,59
